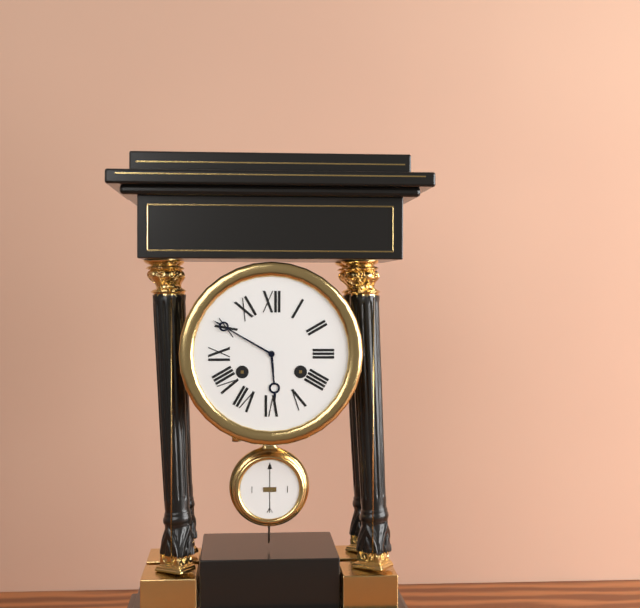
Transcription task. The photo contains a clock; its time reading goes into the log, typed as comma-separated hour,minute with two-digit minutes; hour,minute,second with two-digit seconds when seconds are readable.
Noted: 5,50
